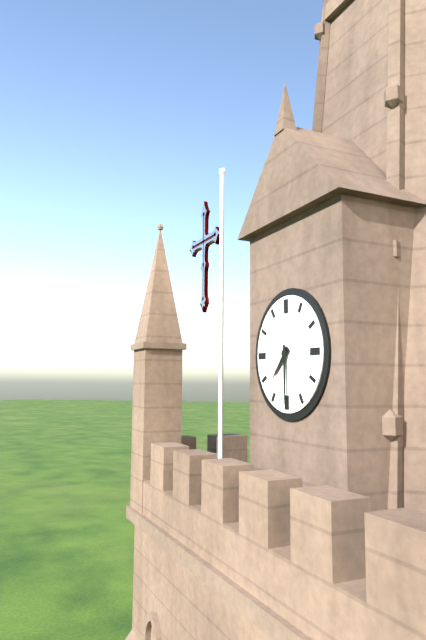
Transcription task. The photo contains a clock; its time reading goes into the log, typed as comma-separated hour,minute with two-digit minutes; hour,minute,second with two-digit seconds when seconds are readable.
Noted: 7,30
